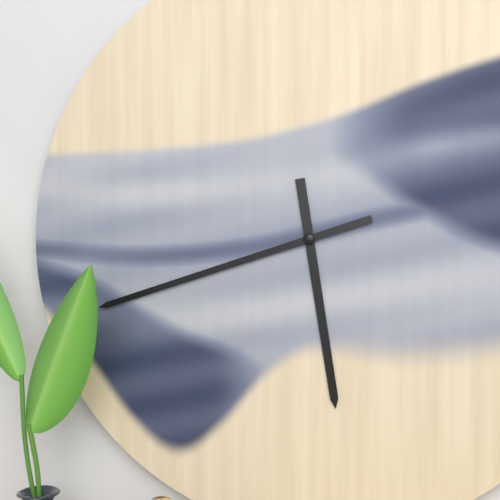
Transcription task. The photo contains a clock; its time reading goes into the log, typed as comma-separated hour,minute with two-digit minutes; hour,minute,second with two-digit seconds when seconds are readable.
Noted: 5,42
